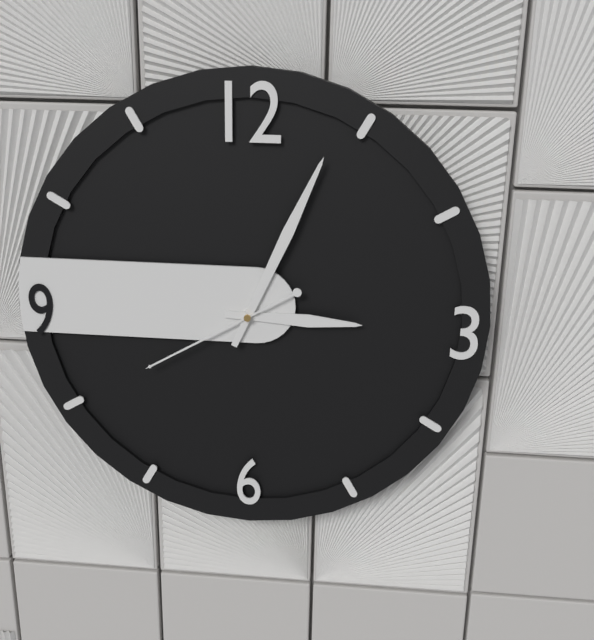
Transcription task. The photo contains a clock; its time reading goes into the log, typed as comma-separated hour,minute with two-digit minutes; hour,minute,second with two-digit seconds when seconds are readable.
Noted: 3,04,40
